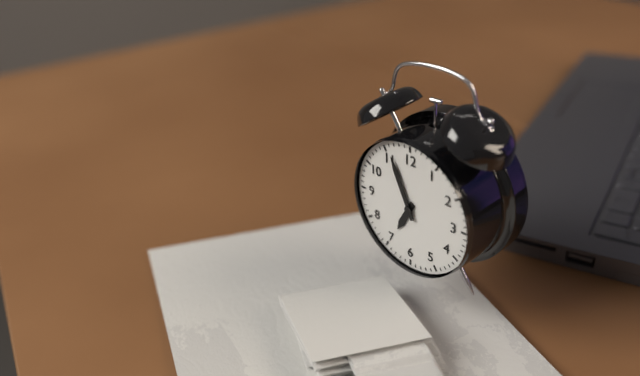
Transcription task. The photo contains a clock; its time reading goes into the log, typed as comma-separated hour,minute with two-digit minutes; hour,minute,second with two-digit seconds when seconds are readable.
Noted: 6,56
